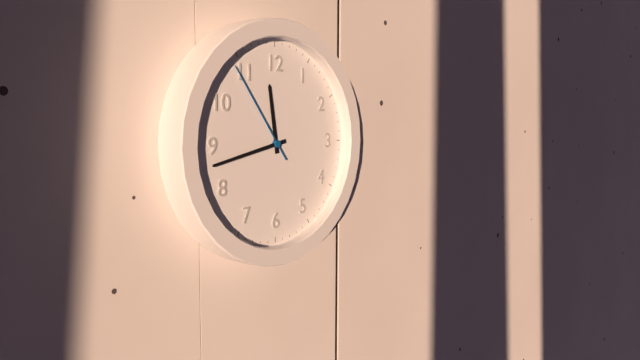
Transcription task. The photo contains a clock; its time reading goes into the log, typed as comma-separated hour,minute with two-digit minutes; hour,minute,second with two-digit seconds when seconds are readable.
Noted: 11,43,54
